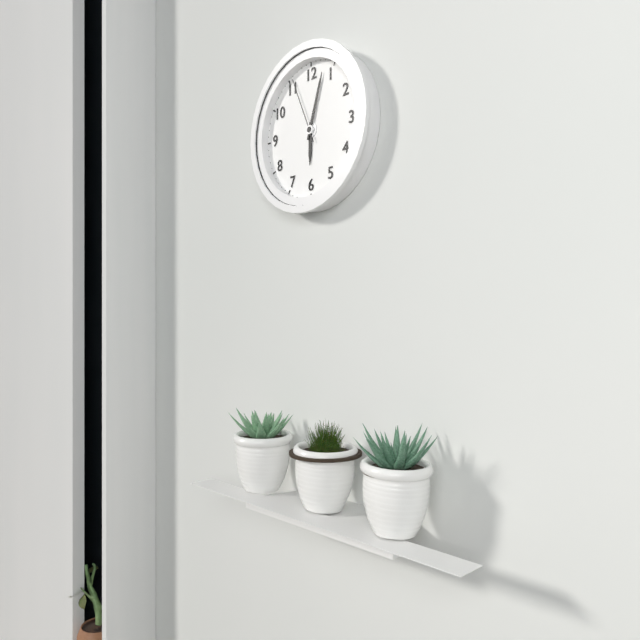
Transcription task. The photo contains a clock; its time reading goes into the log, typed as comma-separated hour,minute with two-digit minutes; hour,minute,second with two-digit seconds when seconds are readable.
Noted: 6,03,56
